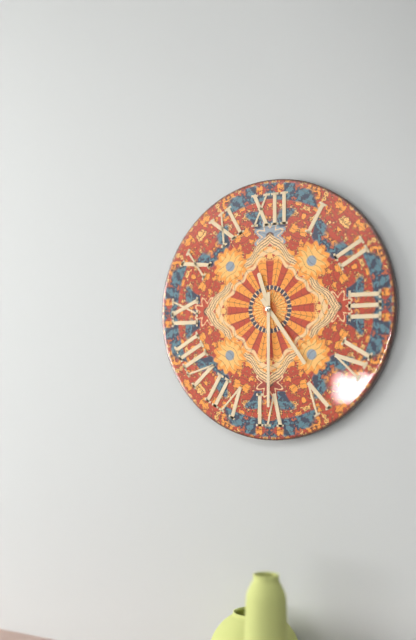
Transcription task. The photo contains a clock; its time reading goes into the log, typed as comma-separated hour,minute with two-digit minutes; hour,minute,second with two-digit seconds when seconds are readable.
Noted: 11,24,30
